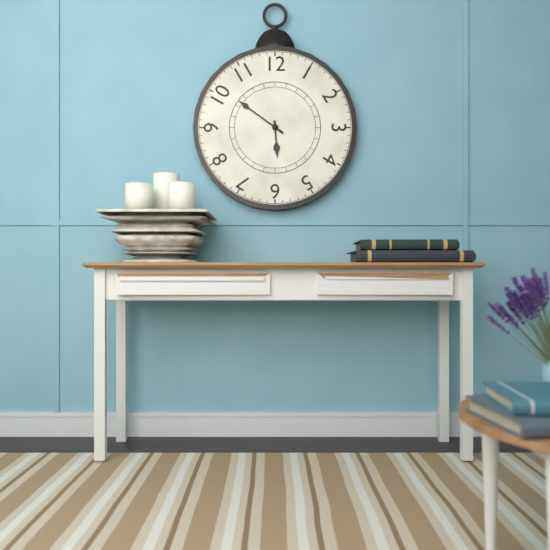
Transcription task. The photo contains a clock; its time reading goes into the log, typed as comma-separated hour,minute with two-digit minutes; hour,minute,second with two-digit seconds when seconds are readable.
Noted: 5,51
